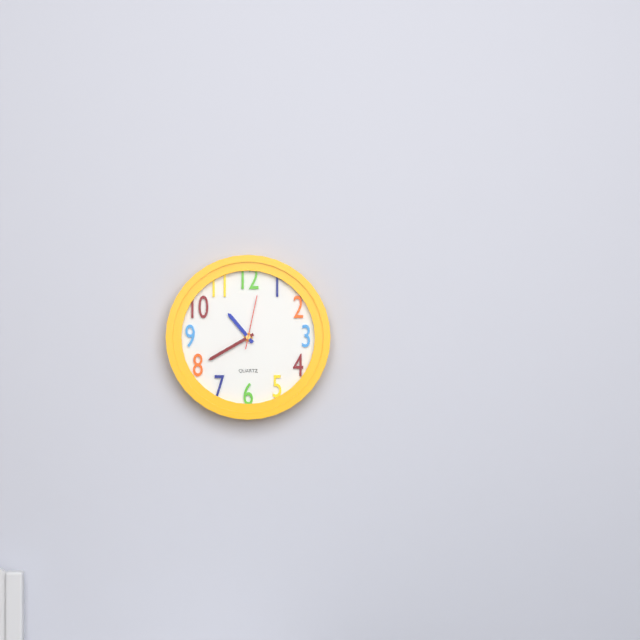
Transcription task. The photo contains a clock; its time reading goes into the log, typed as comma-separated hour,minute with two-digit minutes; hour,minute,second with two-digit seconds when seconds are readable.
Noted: 10,40,02
